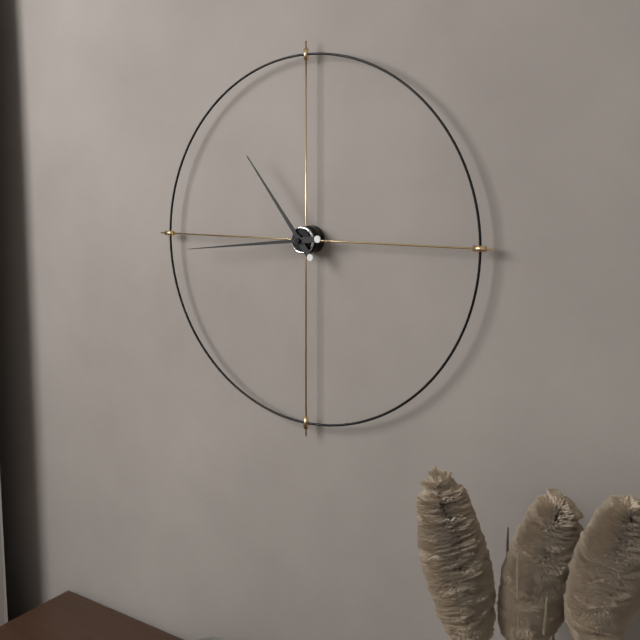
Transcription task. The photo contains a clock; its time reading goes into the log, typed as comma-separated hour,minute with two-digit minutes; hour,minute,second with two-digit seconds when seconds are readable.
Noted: 10,44
